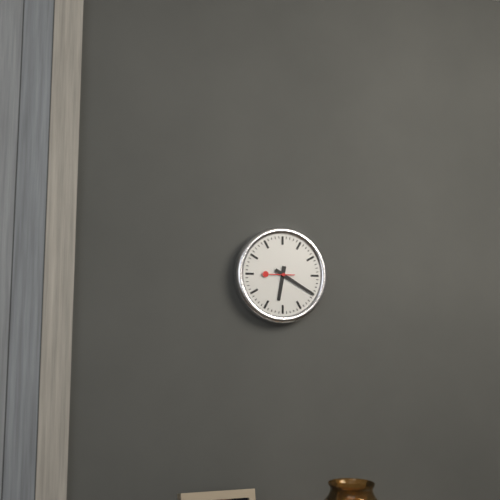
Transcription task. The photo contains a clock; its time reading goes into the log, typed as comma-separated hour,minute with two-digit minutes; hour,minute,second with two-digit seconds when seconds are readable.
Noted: 6,20
